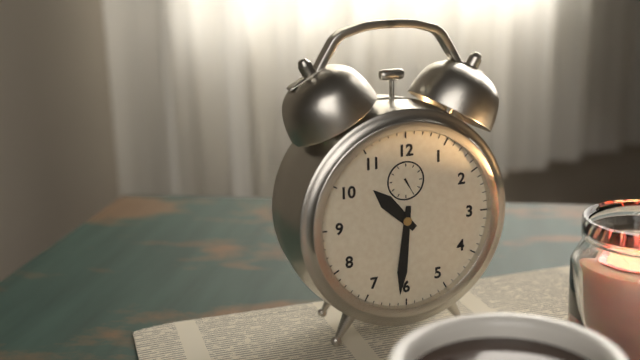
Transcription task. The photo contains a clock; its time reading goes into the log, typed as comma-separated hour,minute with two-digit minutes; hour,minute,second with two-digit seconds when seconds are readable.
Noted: 10,31
